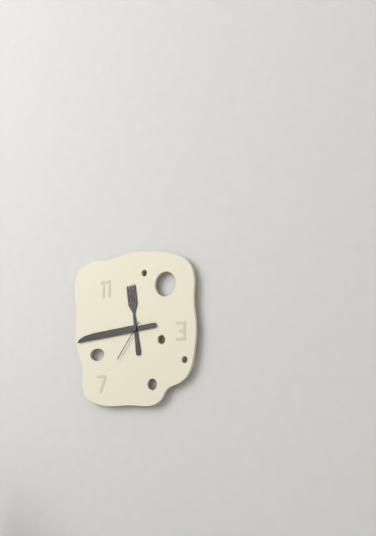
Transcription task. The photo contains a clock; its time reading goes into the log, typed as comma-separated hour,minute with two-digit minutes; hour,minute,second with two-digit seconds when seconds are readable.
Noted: 11,44
